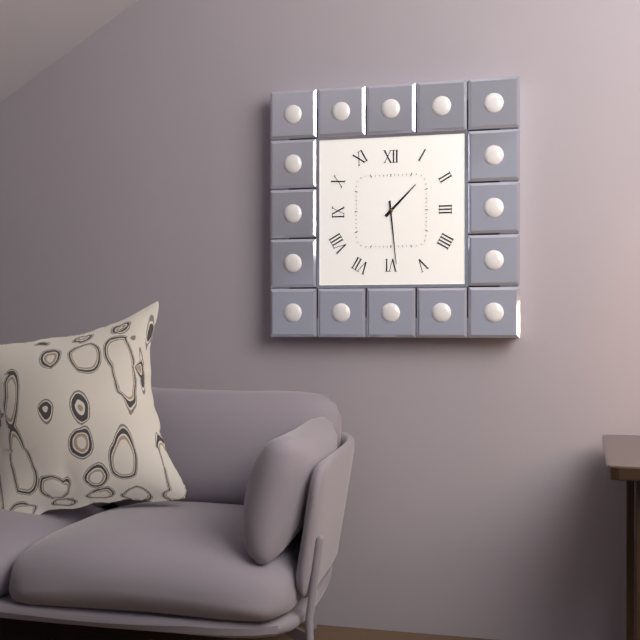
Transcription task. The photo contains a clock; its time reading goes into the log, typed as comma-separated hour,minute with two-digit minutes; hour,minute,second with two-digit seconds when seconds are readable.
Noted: 1,29
